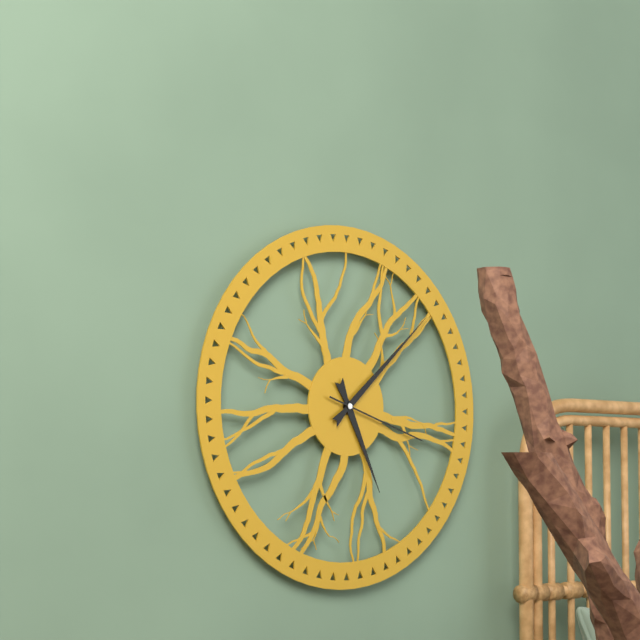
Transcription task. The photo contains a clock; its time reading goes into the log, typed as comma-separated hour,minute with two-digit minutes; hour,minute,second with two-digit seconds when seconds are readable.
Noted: 5,08,18
